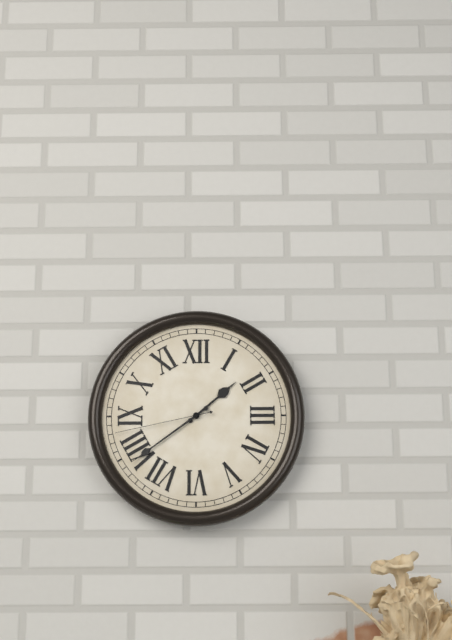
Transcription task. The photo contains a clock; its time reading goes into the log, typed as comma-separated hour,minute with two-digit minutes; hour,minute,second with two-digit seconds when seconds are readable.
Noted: 1,39,43
